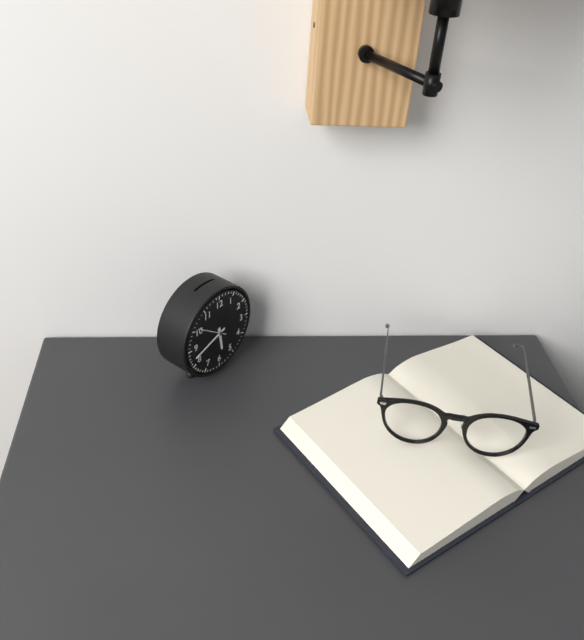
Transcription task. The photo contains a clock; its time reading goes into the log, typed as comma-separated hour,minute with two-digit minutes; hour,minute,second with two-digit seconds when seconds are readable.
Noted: 5,42
